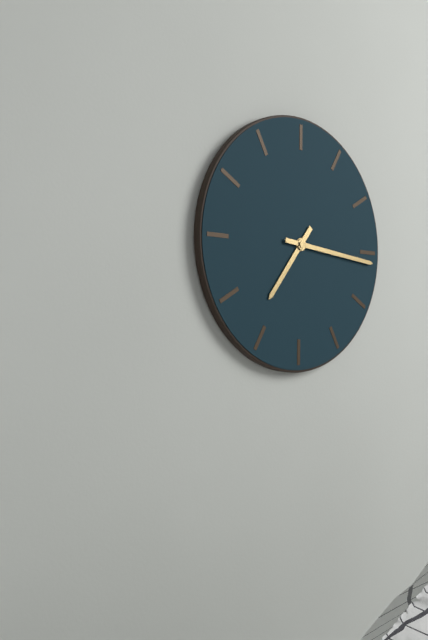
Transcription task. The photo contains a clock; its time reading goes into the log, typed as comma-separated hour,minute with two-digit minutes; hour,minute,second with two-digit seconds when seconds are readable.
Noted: 7,16
